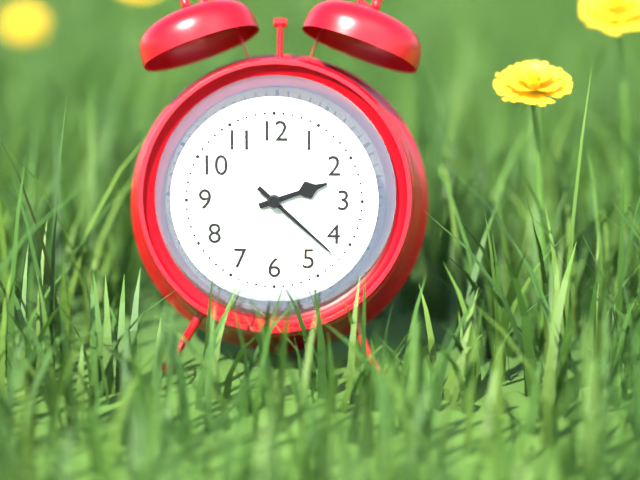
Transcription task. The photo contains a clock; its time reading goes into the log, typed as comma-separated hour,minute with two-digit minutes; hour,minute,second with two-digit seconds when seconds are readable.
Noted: 2,22
